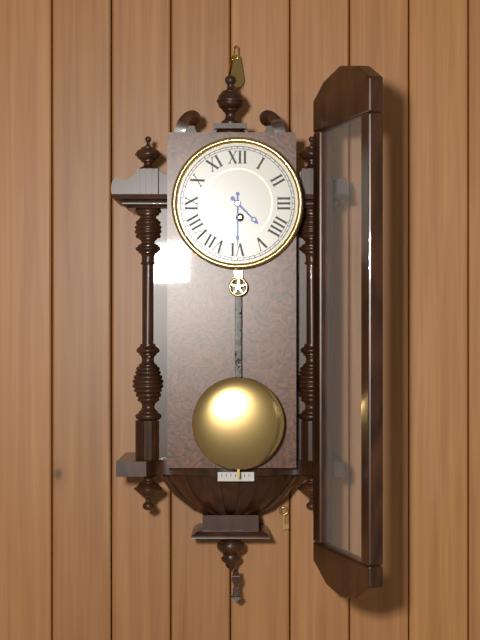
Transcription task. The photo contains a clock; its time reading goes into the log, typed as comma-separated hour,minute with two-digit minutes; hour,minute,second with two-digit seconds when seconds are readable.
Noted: 4,30
